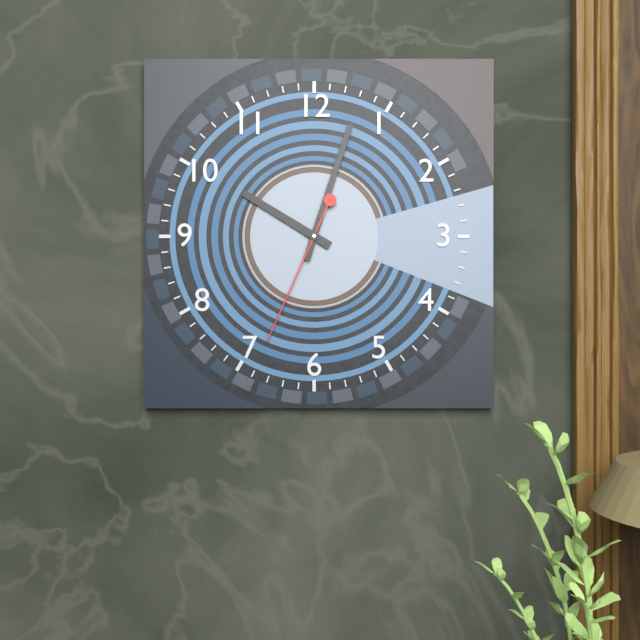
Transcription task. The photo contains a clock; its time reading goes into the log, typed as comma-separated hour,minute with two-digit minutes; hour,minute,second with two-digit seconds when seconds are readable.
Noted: 10,03,34
